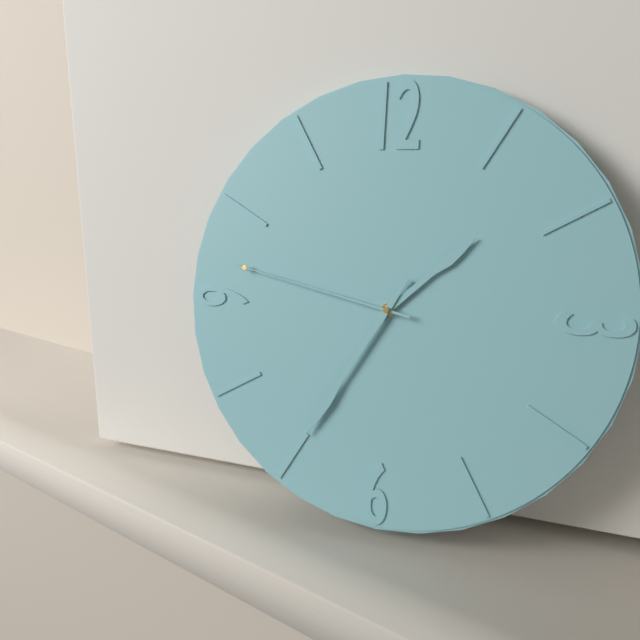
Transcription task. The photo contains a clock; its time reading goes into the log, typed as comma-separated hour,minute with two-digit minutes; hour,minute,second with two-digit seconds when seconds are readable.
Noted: 1,35,47
